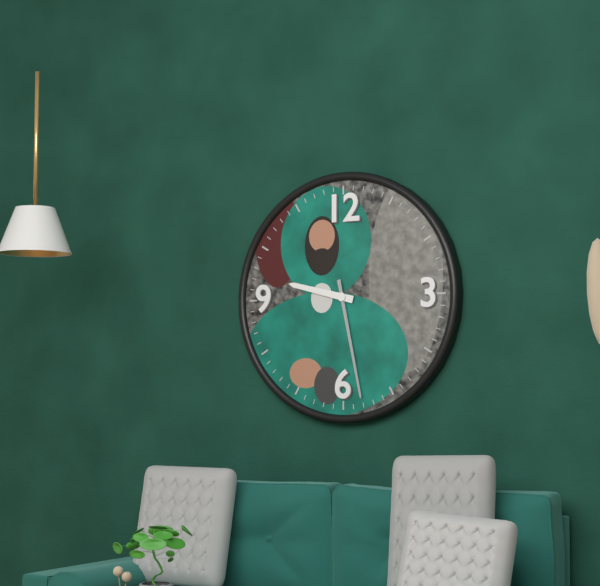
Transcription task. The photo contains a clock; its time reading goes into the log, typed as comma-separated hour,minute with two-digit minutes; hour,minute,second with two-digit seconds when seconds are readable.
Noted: 9,28
